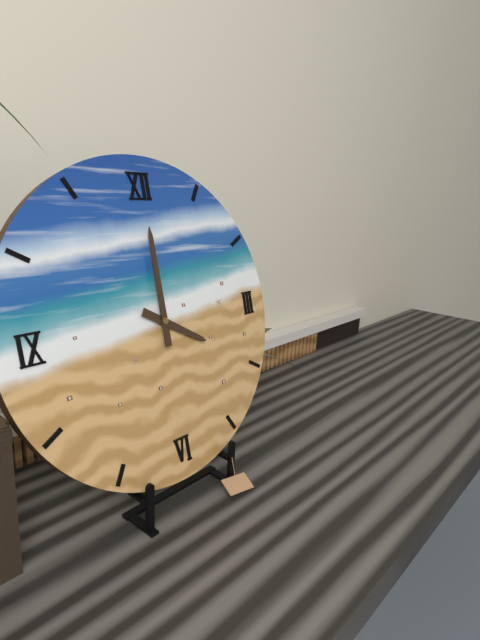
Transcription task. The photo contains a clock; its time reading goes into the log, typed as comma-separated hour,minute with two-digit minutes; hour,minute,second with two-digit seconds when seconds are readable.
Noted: 4,00
